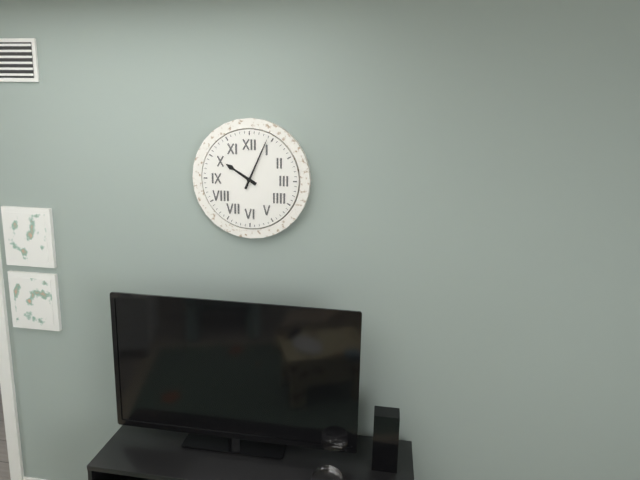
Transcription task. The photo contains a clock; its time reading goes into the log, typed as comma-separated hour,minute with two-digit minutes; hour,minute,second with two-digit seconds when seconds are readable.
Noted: 10,04
